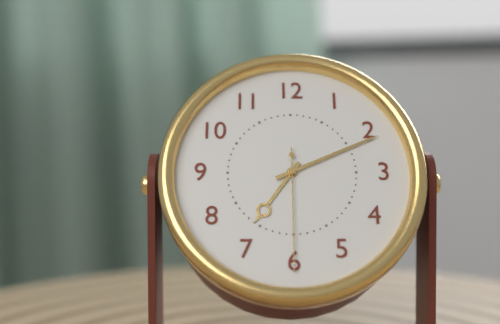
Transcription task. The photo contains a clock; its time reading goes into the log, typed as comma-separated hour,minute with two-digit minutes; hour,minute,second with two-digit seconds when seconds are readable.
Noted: 7,11,30
